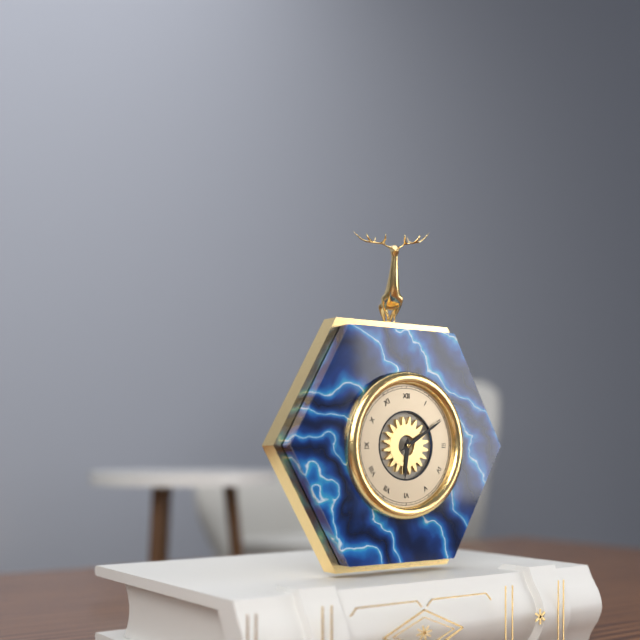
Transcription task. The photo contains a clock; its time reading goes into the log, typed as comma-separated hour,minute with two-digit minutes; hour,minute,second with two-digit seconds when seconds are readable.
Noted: 6,10
